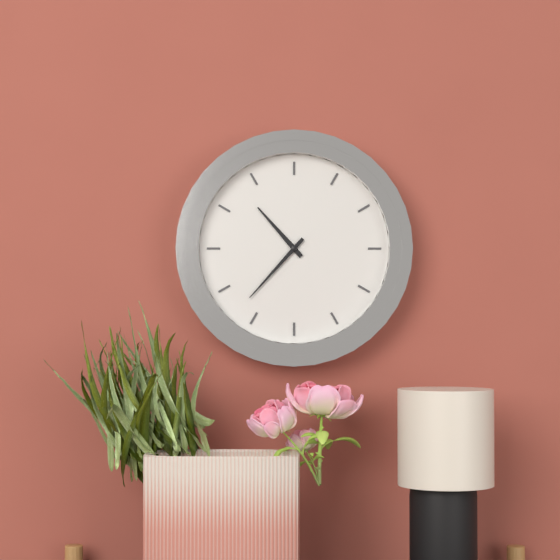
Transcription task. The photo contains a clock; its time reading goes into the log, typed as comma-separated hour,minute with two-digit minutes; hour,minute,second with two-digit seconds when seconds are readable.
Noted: 10,37
